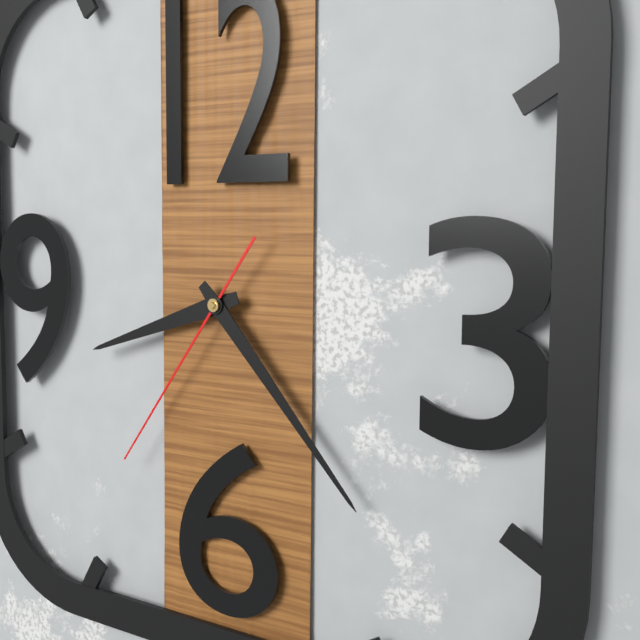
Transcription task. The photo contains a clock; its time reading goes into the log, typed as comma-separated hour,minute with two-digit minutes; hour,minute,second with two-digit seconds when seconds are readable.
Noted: 8,23,36
